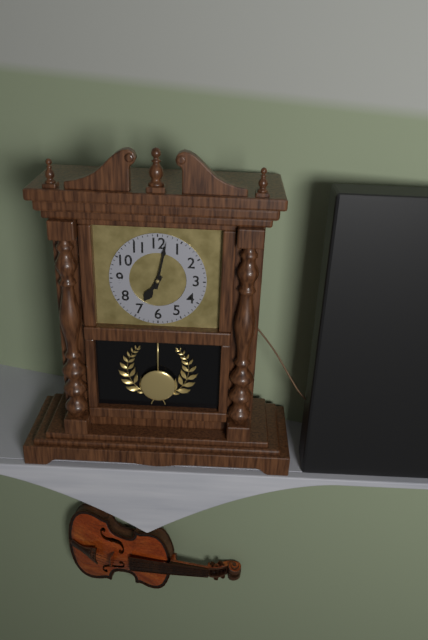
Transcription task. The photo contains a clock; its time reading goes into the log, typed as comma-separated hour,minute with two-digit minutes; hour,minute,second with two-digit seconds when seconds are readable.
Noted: 7,02
